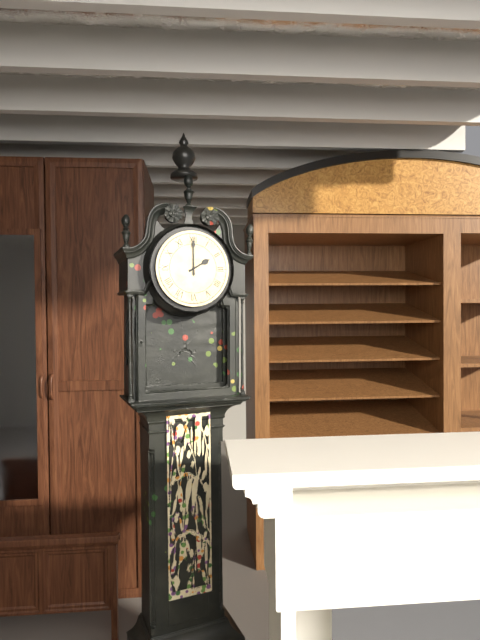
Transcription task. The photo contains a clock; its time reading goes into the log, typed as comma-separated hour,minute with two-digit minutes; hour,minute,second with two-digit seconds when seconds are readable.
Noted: 2,00
